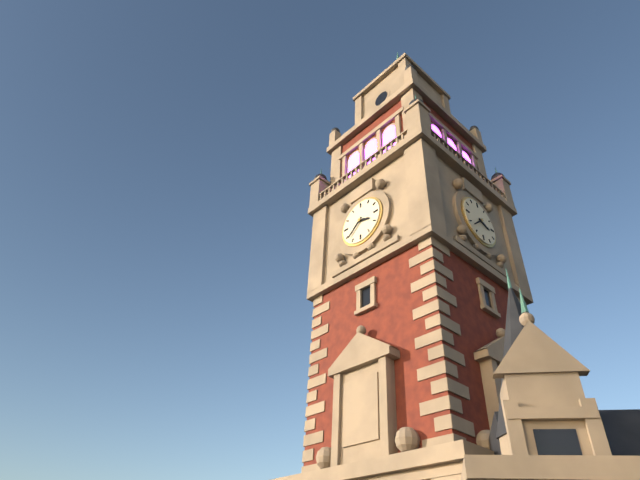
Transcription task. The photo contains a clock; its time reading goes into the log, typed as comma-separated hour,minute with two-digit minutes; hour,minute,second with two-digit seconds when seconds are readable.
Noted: 3,38
